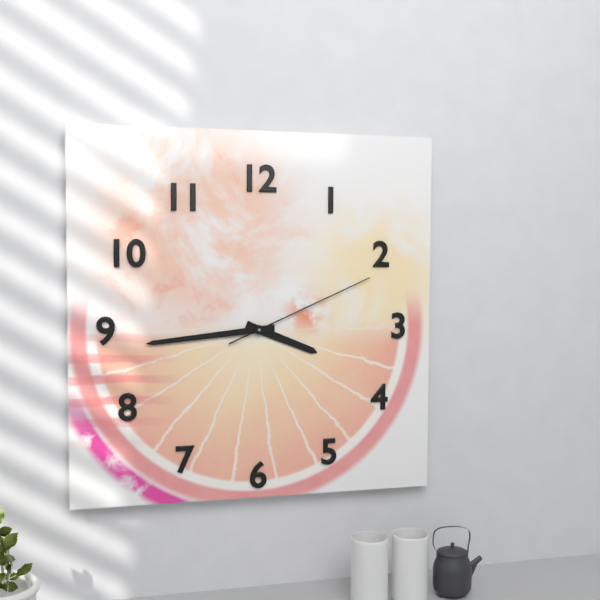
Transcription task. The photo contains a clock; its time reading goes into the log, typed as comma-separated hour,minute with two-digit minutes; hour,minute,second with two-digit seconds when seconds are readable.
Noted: 3,44,11
